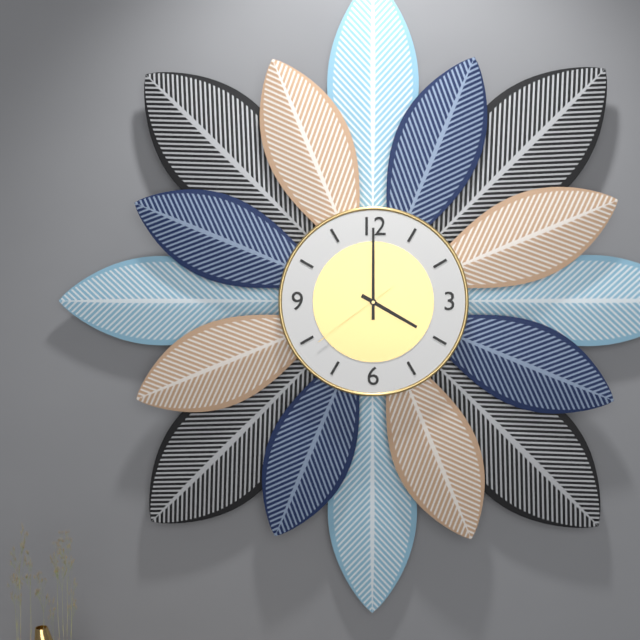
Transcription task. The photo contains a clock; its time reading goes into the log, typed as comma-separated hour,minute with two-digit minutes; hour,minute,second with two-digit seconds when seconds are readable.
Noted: 4,00,39
